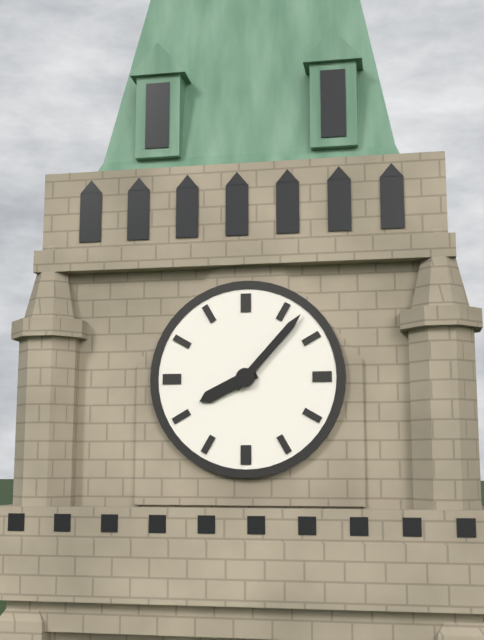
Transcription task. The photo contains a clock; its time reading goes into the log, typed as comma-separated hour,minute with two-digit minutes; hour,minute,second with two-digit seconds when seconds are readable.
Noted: 8,07
